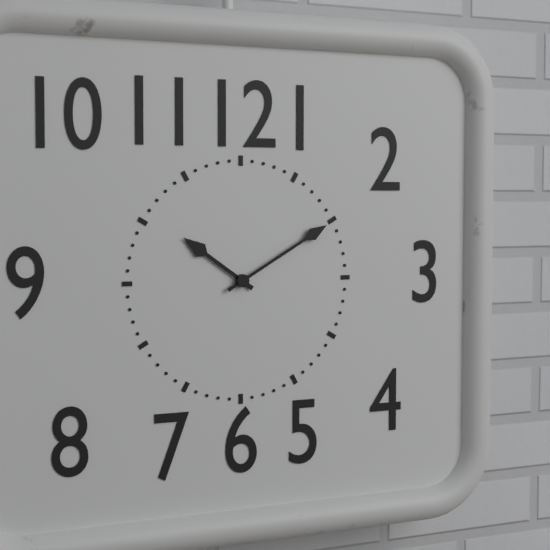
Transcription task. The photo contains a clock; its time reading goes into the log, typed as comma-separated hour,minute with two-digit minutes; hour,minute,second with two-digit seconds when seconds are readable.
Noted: 10,10
